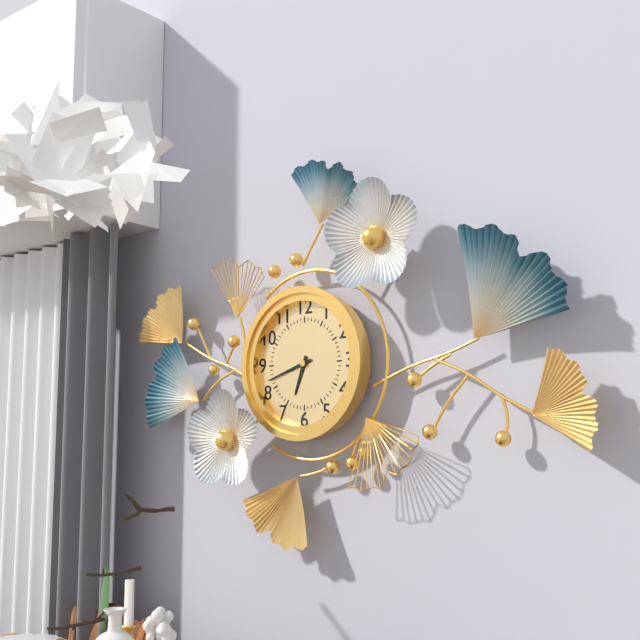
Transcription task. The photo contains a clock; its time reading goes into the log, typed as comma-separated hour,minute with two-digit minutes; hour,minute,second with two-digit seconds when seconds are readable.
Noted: 6,42
